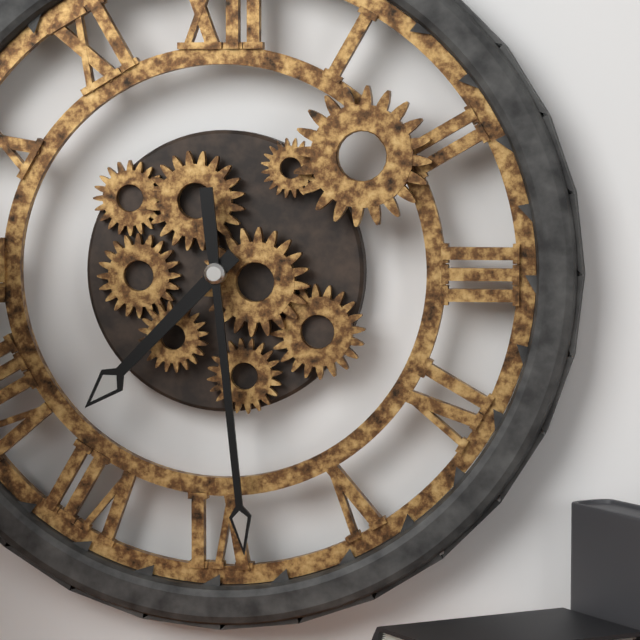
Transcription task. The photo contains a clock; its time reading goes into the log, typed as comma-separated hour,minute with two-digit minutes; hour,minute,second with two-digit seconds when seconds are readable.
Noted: 7,29
